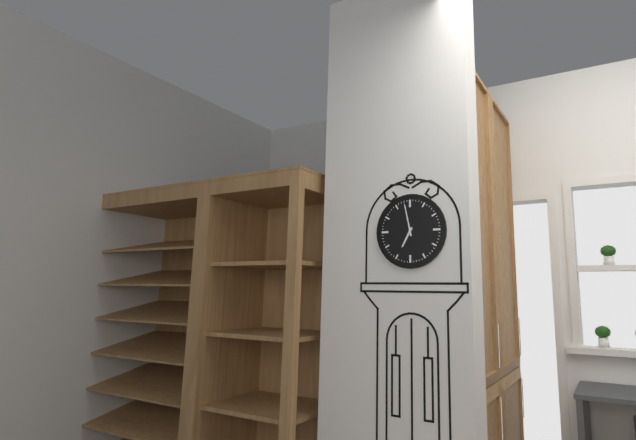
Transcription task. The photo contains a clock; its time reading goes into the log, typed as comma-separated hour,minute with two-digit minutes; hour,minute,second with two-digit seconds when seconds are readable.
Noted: 6,58
